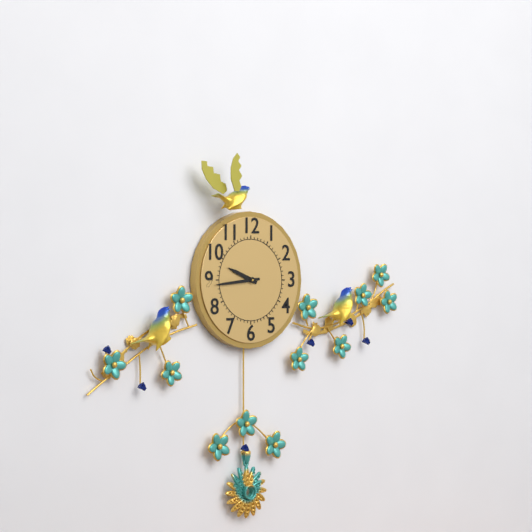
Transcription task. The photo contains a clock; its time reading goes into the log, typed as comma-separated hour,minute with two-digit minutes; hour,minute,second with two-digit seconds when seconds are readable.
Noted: 9,44
